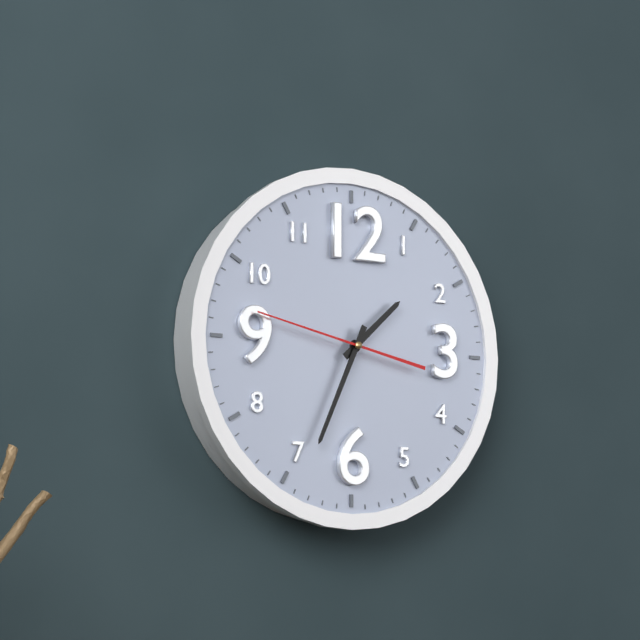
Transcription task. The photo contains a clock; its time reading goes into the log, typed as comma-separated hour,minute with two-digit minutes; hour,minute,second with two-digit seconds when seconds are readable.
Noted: 1,34,47
